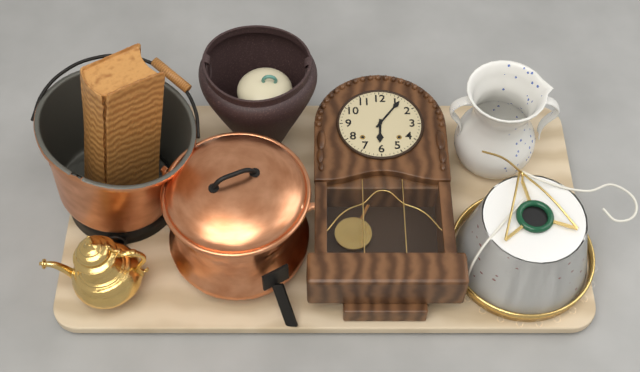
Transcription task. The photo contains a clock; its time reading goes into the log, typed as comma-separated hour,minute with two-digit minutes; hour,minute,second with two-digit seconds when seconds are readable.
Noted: 6,06
